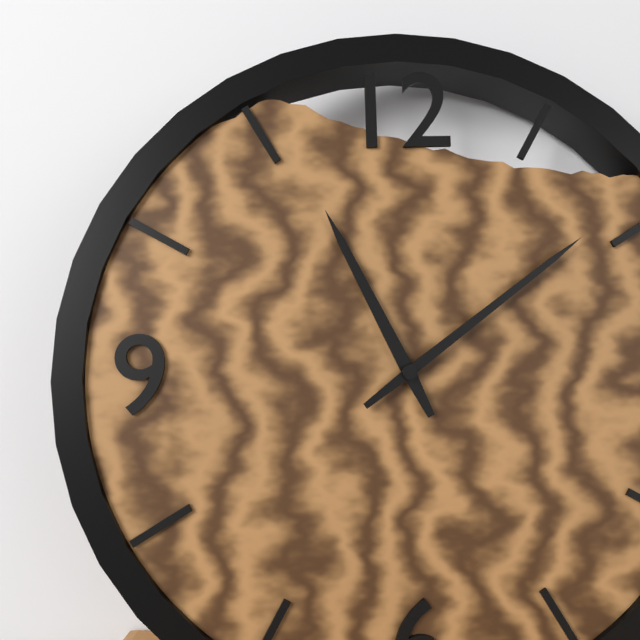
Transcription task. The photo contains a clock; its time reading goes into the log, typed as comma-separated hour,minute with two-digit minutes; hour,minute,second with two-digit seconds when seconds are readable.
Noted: 11,09
